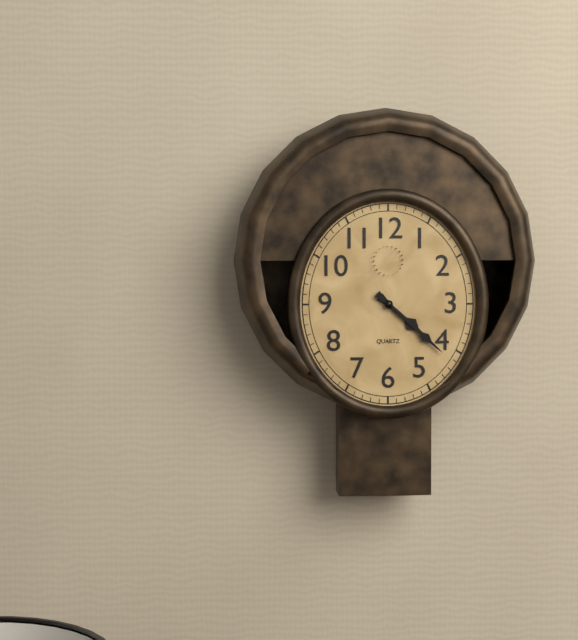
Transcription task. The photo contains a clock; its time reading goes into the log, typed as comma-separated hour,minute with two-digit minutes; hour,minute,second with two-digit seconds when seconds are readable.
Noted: 4,22
